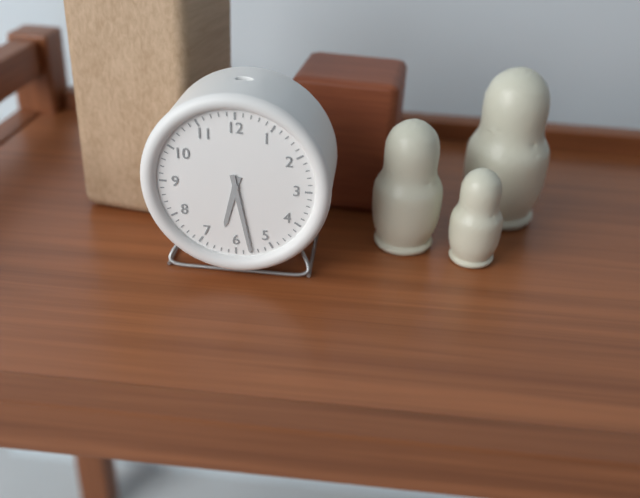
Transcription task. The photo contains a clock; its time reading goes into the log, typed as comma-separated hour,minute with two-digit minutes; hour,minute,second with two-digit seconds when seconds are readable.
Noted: 6,28
